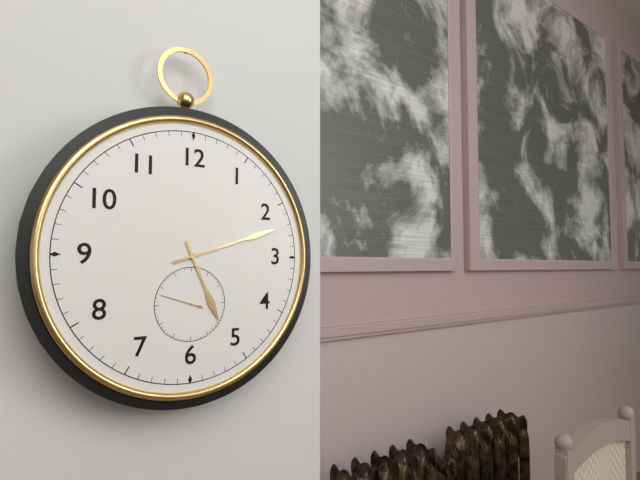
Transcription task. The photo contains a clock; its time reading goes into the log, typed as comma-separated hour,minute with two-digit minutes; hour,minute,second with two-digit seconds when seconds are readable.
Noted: 5,12
